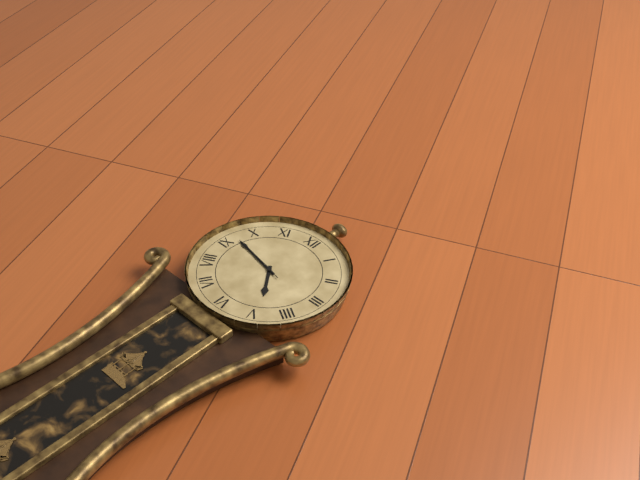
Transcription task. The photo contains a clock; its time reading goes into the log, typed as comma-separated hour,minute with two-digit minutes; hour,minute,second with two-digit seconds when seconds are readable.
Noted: 4,47,47
